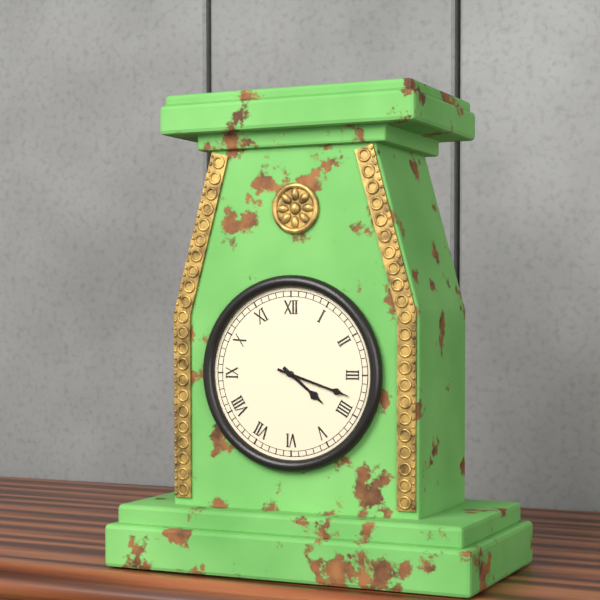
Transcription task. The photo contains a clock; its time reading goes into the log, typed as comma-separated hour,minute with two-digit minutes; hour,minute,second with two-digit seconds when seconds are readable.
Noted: 4,18
